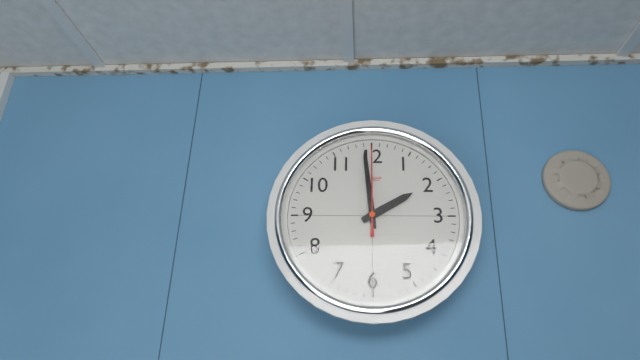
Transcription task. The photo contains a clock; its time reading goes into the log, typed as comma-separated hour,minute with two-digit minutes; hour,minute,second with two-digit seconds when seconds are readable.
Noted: 1,59,00
